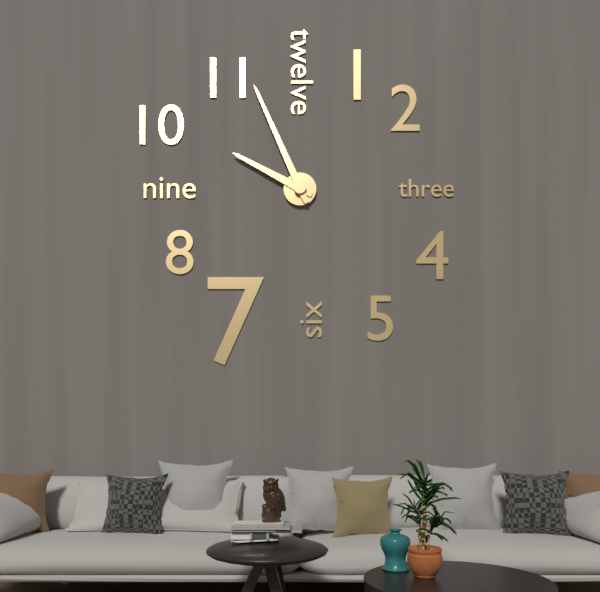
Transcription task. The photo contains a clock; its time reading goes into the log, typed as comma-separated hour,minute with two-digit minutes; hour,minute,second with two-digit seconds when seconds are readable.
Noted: 9,56
